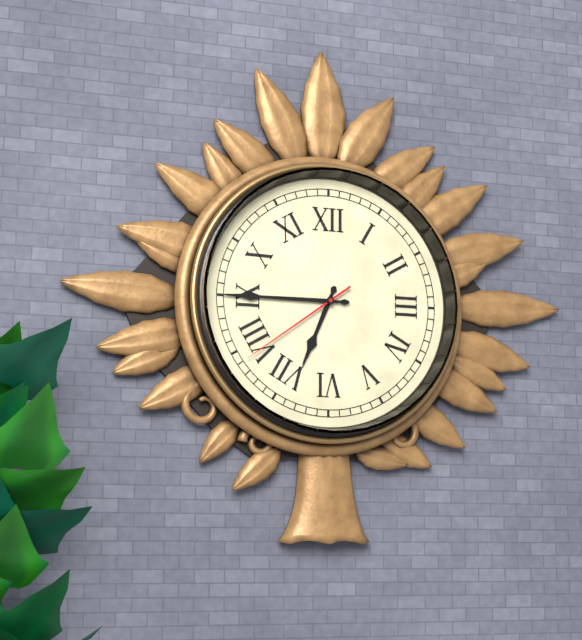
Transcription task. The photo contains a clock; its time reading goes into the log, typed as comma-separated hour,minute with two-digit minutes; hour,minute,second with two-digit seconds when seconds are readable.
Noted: 6,45,39
